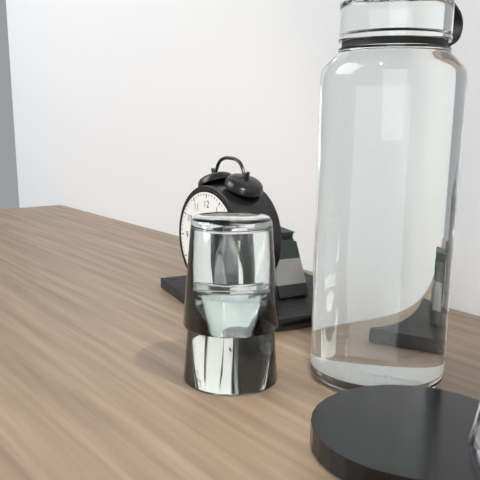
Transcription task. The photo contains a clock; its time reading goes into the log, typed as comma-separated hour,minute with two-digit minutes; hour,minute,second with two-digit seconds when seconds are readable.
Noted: 2,33
